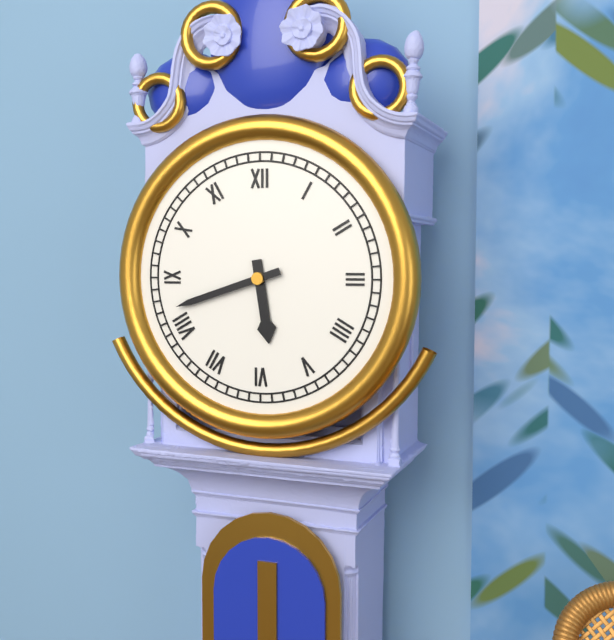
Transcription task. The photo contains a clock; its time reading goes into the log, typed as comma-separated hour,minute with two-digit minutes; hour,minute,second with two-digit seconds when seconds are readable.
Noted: 5,42
